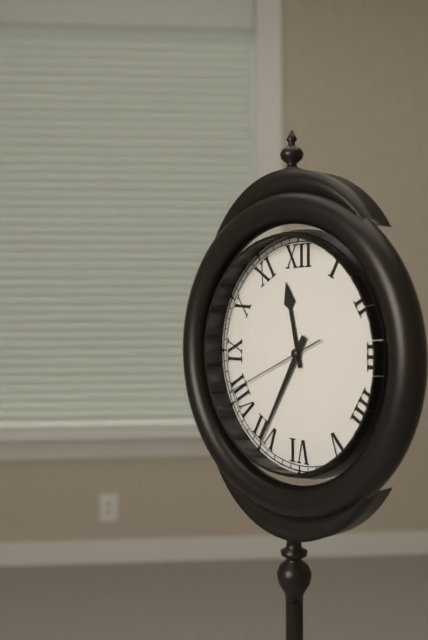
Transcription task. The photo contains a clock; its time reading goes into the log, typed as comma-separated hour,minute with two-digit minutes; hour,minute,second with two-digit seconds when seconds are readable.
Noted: 11,35,41
